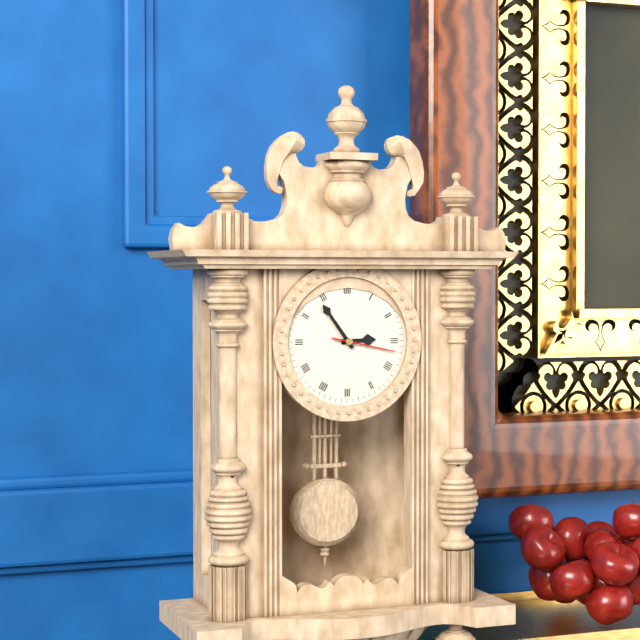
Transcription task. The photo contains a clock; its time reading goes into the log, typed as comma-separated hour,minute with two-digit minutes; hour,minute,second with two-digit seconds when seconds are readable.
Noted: 2,54,17
